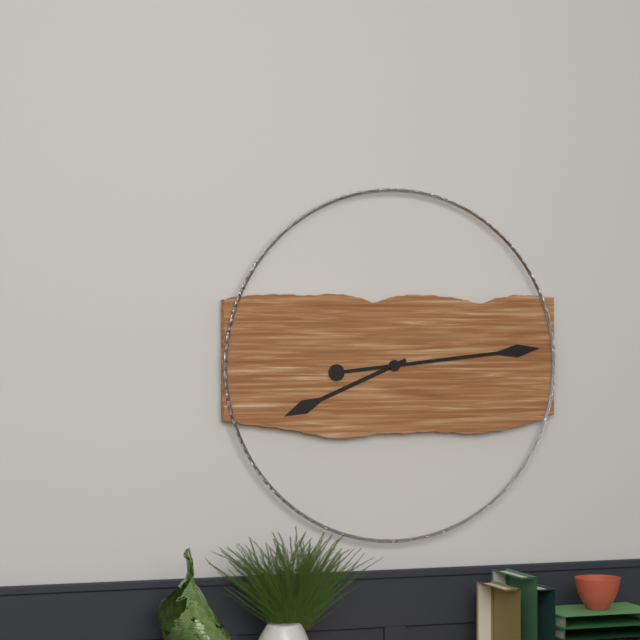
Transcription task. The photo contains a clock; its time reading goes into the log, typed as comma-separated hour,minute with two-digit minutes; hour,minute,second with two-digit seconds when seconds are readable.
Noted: 8,14
